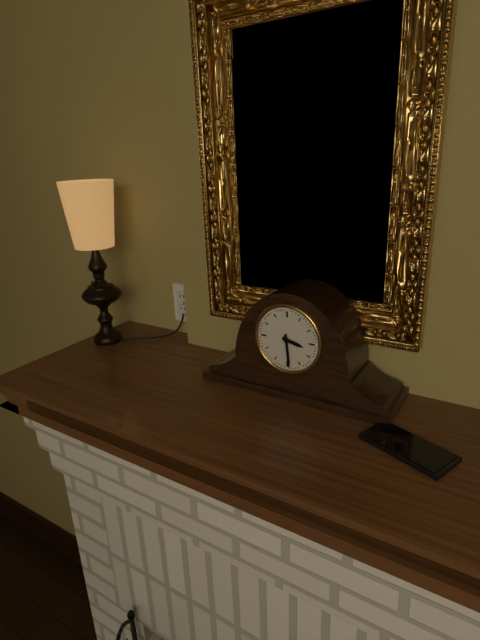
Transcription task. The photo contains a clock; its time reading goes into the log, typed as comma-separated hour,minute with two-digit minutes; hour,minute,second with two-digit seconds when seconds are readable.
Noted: 3,29
